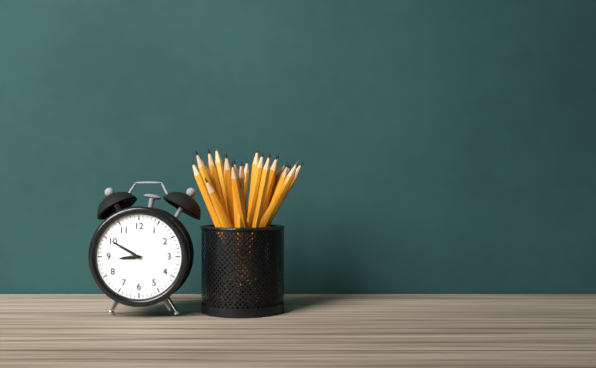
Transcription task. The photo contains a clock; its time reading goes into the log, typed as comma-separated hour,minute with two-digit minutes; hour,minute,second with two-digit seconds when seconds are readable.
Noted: 8,50
